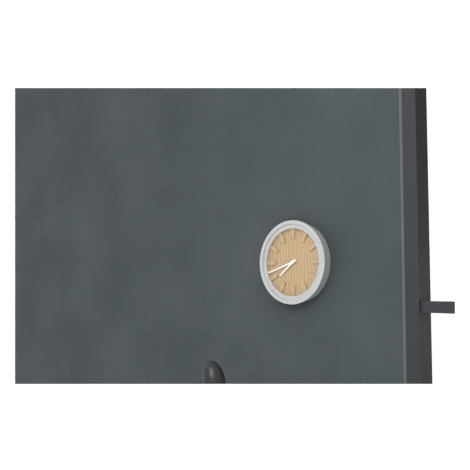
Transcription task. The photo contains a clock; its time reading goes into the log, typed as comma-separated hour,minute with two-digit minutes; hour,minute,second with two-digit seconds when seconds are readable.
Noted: 7,42
